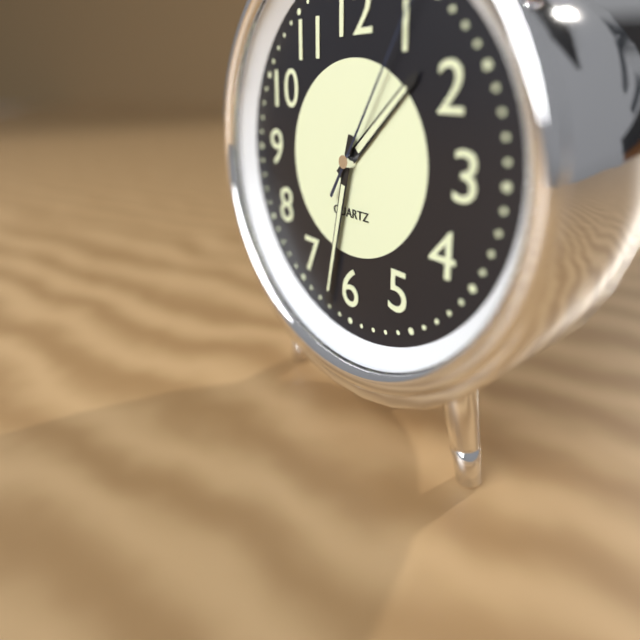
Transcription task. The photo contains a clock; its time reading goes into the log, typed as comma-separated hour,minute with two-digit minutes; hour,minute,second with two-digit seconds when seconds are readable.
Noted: 1,32
